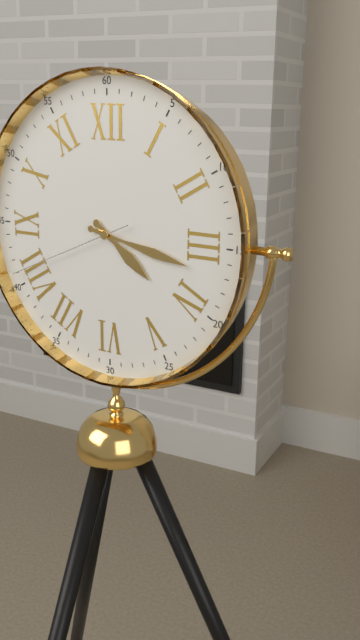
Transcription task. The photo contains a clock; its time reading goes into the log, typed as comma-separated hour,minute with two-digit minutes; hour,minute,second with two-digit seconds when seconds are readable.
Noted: 4,17,41
